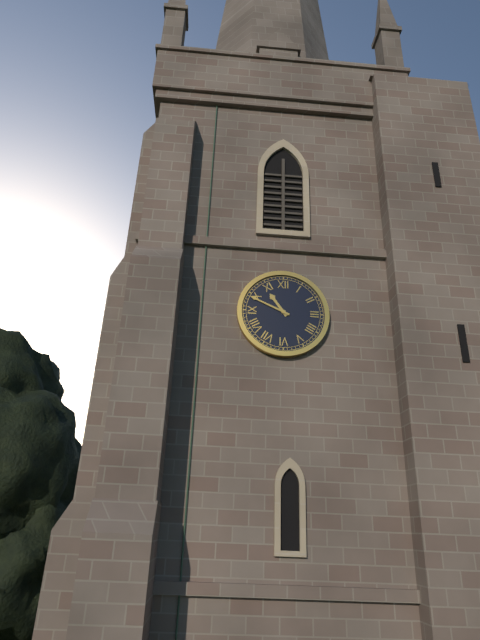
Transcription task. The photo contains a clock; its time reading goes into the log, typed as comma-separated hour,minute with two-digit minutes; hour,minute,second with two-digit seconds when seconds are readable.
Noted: 10,49
